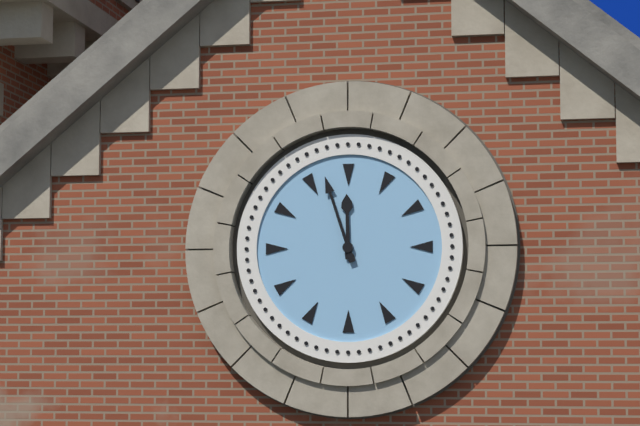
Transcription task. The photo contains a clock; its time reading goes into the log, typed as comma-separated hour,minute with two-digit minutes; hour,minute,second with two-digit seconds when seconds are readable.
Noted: 11,57
